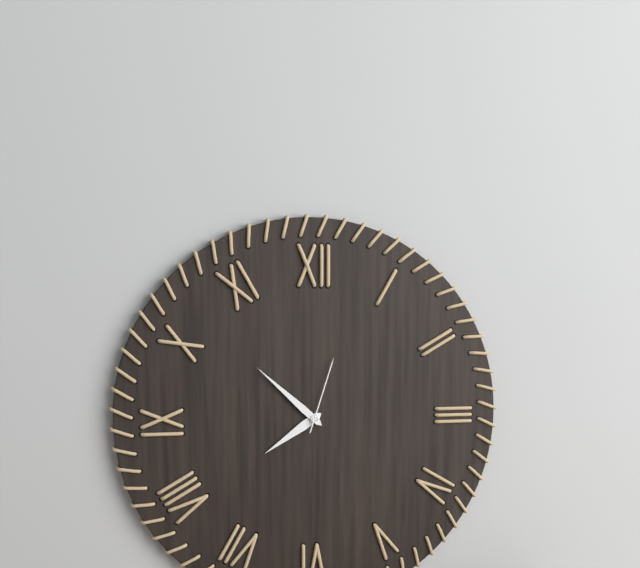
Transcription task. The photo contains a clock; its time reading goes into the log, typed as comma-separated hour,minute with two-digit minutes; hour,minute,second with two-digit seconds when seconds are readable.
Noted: 7,52,03
